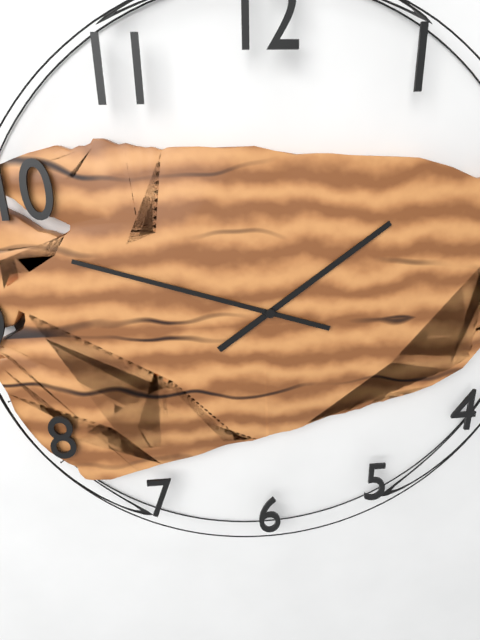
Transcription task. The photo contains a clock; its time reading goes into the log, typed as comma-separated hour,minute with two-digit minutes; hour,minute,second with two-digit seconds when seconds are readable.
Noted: 1,48
